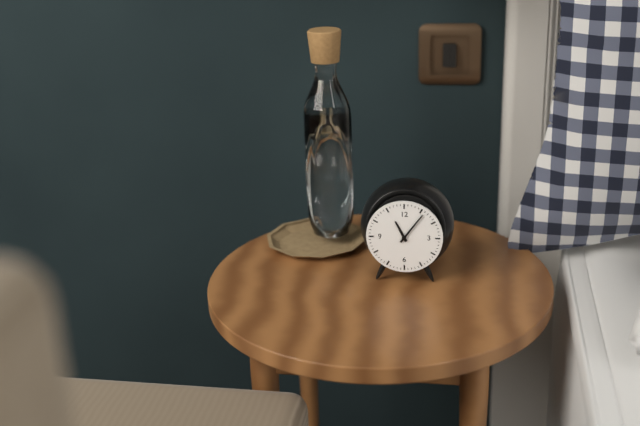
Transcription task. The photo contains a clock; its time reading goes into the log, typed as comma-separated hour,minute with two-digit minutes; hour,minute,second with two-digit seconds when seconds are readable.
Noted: 11,06
